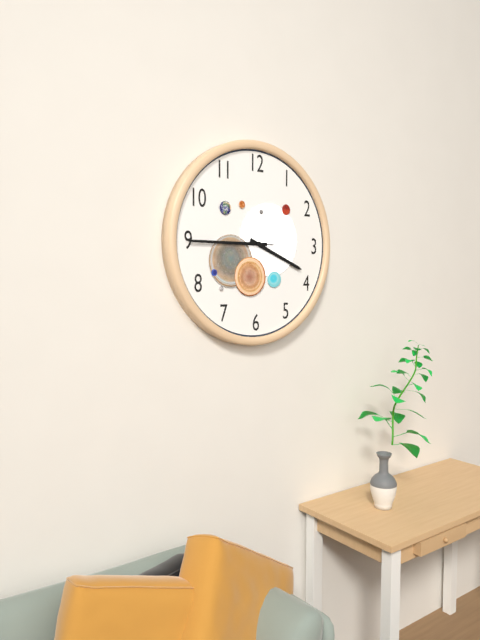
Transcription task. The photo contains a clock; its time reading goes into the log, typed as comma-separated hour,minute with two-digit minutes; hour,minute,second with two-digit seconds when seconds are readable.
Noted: 3,45
